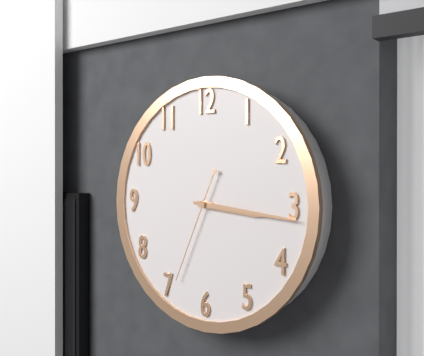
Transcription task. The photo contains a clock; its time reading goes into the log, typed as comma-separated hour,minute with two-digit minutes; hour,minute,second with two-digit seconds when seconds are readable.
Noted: 3,16,34
